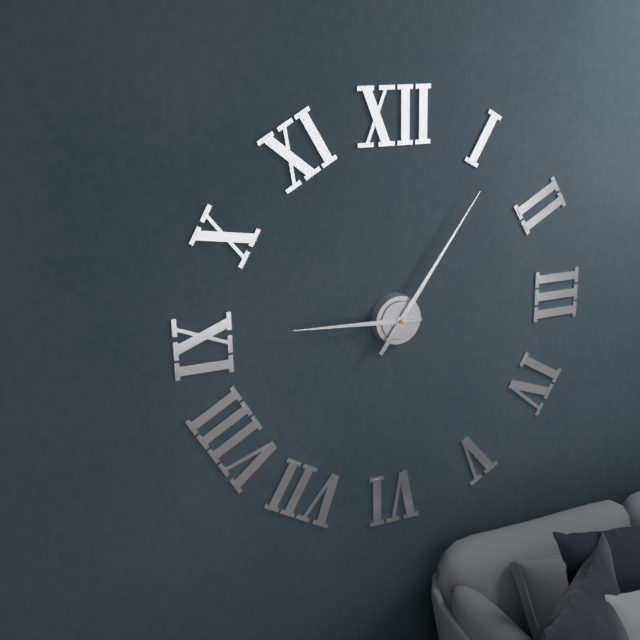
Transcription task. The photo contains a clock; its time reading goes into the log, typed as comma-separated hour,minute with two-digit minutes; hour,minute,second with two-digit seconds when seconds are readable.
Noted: 9,06
